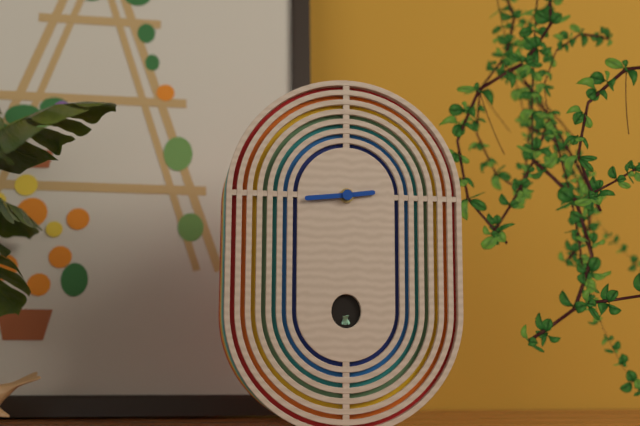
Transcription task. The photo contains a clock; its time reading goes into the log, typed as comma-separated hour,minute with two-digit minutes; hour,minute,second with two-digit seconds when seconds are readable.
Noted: 2,44
